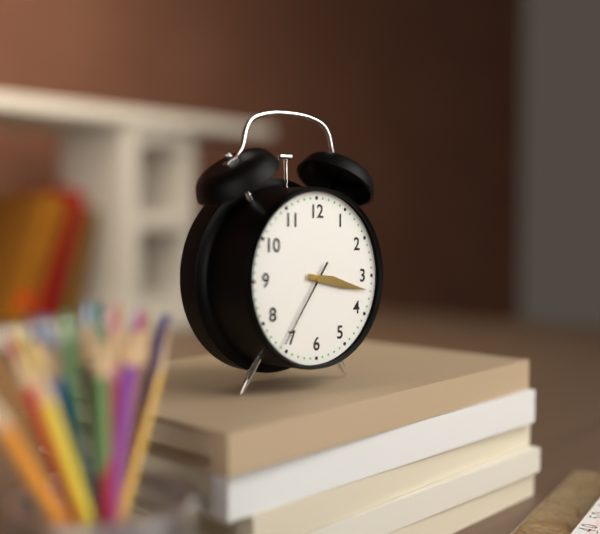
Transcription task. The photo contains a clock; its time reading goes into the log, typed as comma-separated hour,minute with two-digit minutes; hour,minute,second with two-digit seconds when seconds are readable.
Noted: 3,17,36
